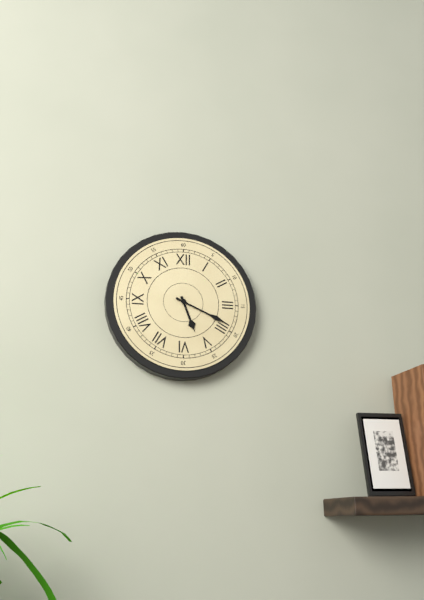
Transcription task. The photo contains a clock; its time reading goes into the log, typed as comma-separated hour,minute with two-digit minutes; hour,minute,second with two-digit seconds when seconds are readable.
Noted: 5,19
